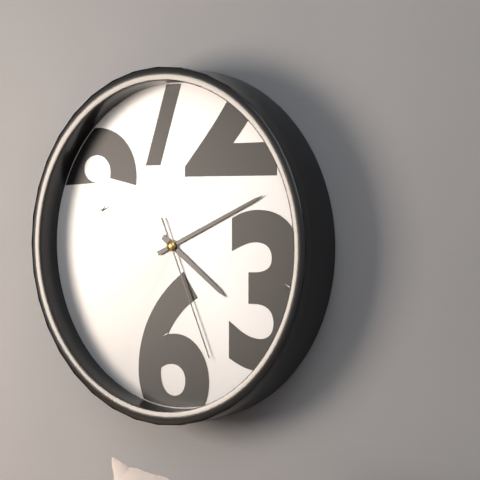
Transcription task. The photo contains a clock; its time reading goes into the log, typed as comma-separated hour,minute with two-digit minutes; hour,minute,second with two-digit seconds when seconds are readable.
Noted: 4,11,26
